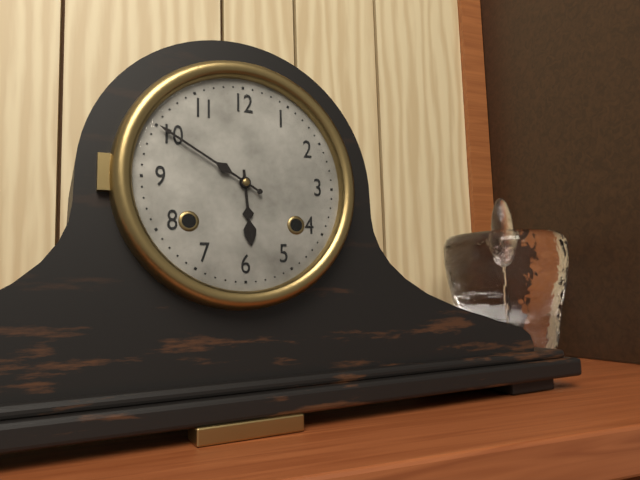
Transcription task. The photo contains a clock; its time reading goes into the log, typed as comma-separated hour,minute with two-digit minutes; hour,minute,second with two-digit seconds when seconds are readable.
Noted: 5,50
